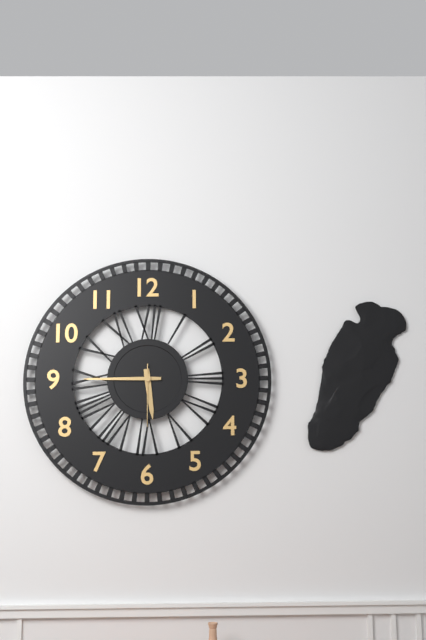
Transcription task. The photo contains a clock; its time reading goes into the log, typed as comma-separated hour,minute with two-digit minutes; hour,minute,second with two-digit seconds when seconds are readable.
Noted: 5,45,30
